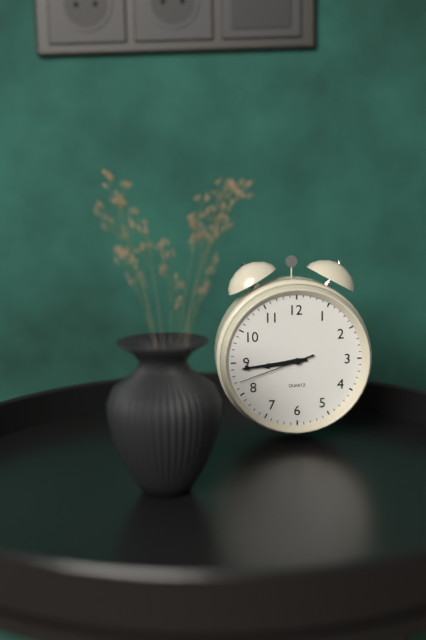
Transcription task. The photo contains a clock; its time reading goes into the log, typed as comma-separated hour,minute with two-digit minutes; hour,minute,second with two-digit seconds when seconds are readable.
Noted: 8,44,42
